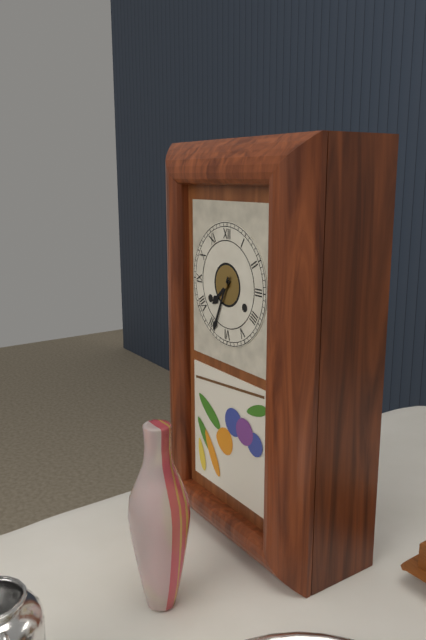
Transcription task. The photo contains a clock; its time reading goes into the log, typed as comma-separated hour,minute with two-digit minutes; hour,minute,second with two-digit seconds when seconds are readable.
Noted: 7,34
